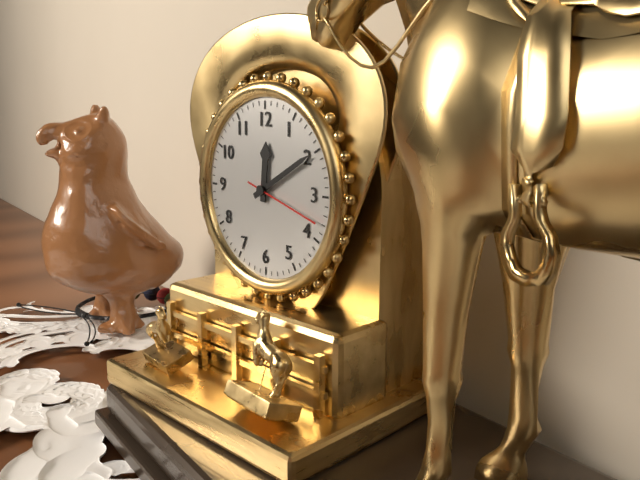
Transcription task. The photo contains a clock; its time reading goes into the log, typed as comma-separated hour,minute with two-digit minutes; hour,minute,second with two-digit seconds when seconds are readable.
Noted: 12,10,18
